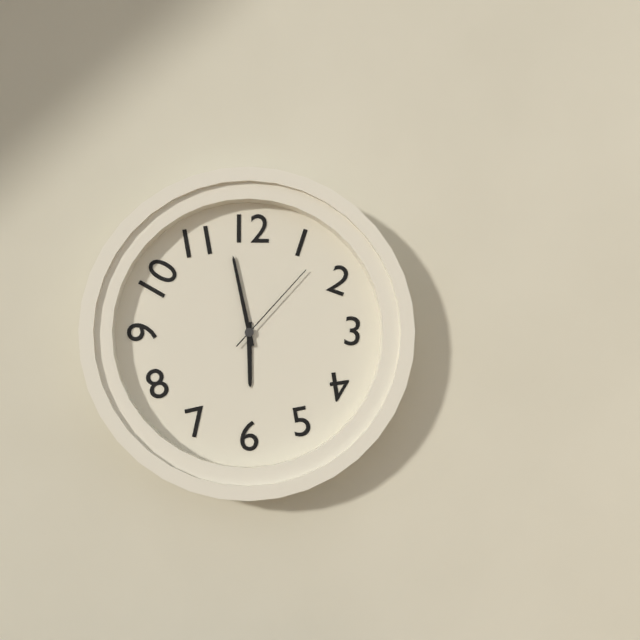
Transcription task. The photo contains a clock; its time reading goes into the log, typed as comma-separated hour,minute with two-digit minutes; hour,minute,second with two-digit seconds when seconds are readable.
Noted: 5,58,07
